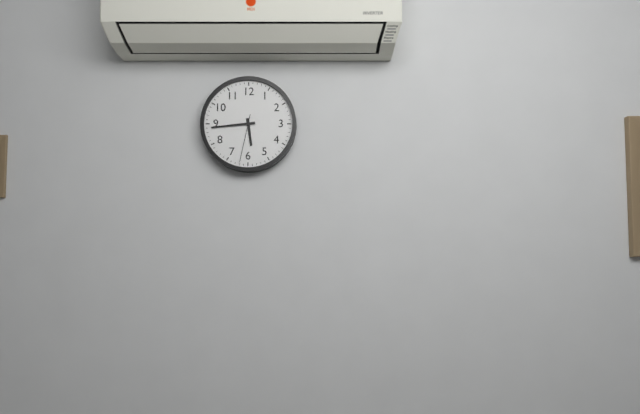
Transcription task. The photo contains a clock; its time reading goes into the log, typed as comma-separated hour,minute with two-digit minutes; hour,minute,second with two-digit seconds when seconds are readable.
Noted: 5,44
